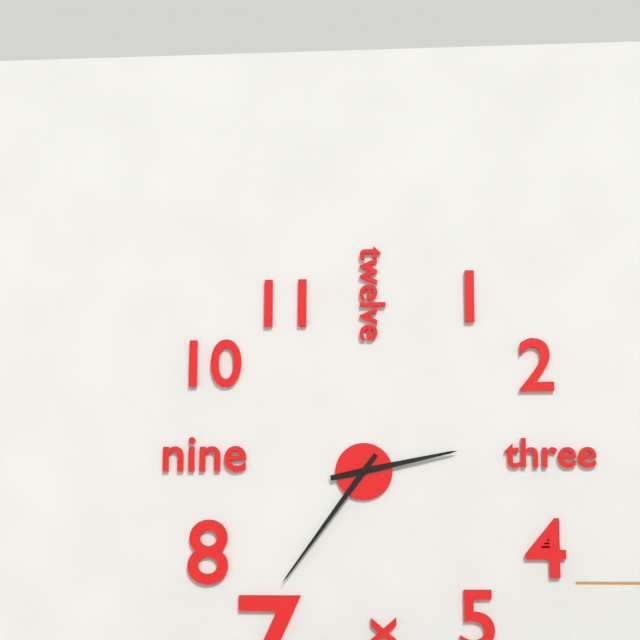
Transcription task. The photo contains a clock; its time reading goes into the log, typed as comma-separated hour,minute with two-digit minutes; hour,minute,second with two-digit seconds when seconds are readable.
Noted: 2,36
